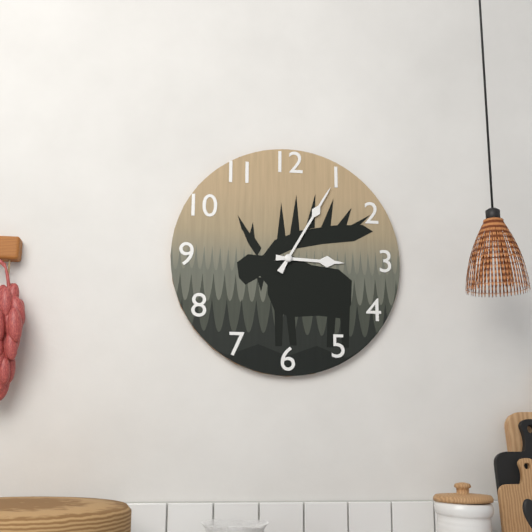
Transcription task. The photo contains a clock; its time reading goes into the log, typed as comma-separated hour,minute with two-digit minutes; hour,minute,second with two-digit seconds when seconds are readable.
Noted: 3,05
